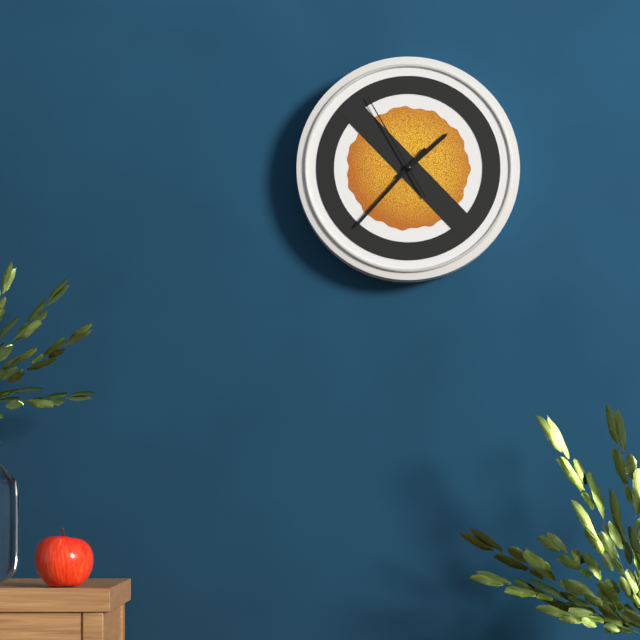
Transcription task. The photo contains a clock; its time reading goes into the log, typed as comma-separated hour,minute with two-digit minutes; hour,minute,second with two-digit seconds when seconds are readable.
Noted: 1,37,55
